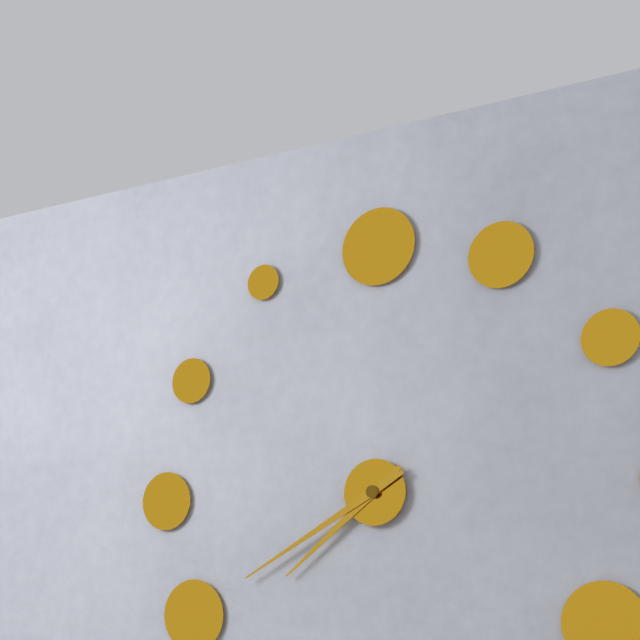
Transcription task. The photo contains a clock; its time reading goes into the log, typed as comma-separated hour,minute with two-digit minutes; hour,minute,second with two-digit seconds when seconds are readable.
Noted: 7,40
